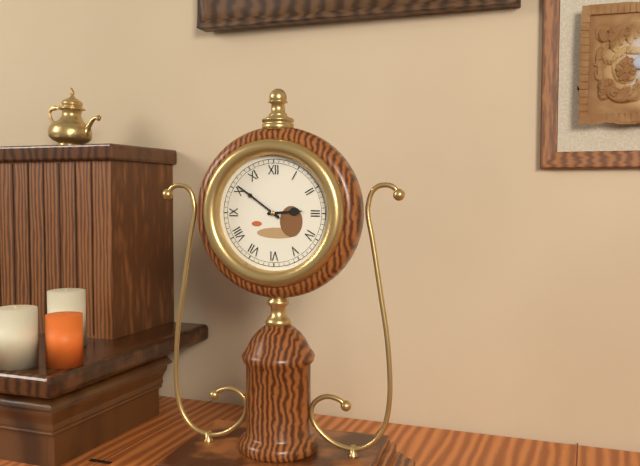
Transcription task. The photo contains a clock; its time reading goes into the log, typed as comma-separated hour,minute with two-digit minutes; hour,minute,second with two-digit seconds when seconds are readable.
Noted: 2,51
